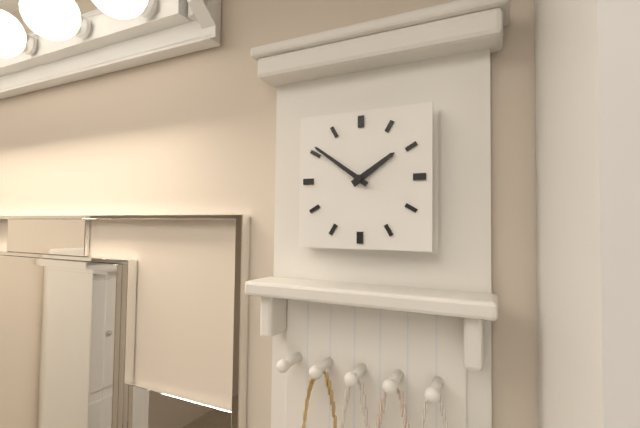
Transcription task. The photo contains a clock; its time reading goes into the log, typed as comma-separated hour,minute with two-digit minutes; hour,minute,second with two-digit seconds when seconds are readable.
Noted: 1,51
